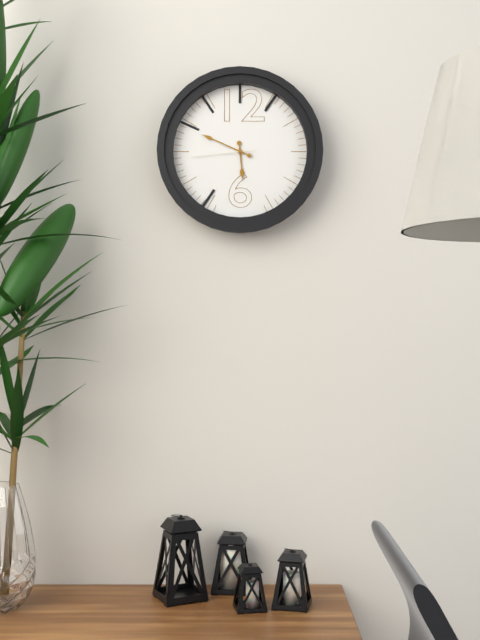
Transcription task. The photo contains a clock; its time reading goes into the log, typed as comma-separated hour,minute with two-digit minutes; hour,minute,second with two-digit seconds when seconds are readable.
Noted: 5,49,44
